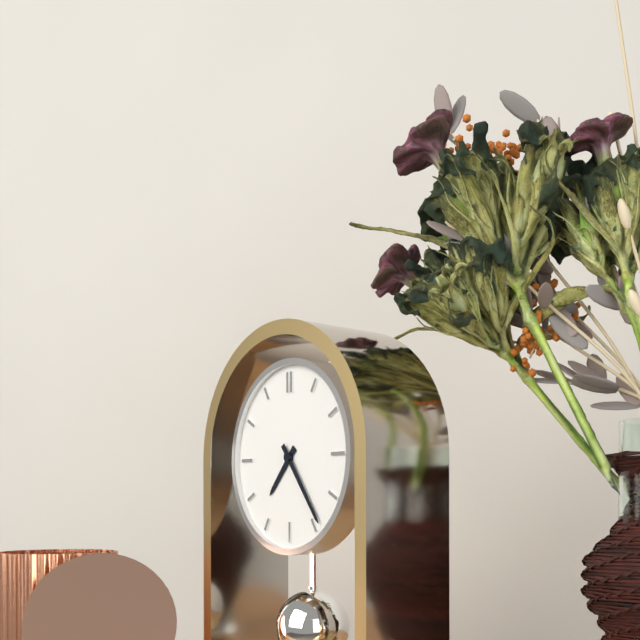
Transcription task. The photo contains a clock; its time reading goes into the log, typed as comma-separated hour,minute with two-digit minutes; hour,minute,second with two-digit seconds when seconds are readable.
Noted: 7,24
